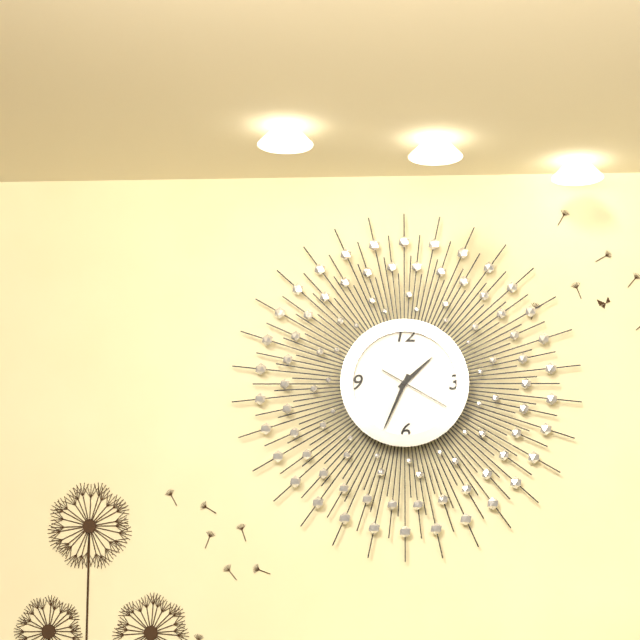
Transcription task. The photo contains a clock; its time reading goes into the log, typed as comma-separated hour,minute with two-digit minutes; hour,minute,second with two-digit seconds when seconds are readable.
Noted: 1,34,20
